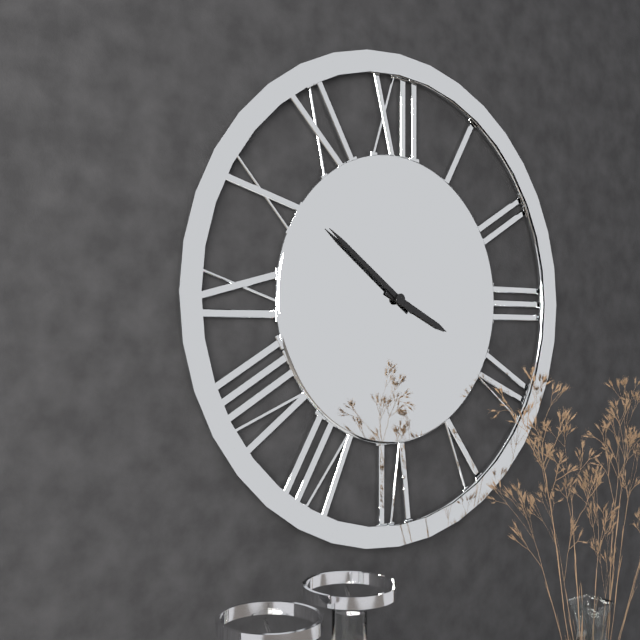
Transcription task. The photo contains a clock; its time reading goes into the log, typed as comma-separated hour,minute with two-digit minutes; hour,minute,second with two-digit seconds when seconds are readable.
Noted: 3,51
